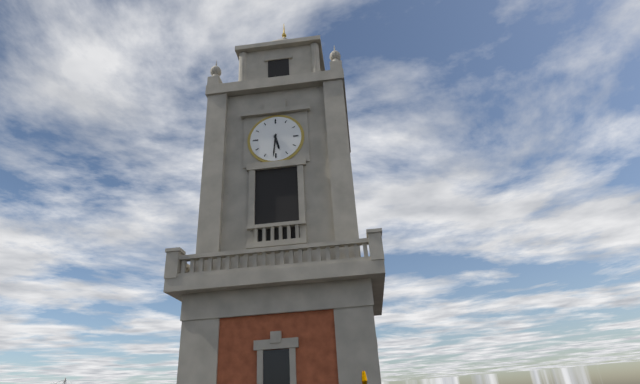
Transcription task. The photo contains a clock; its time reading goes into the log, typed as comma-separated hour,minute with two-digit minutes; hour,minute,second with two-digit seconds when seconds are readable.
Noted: 5,31
